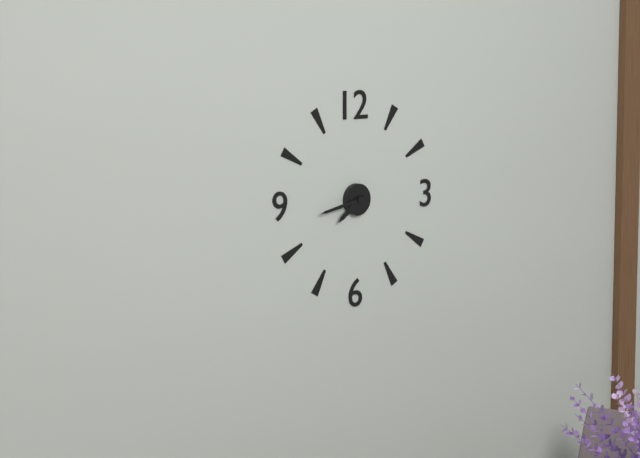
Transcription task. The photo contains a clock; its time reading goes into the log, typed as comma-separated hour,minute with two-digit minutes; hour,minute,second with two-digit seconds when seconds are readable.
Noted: 7,43
